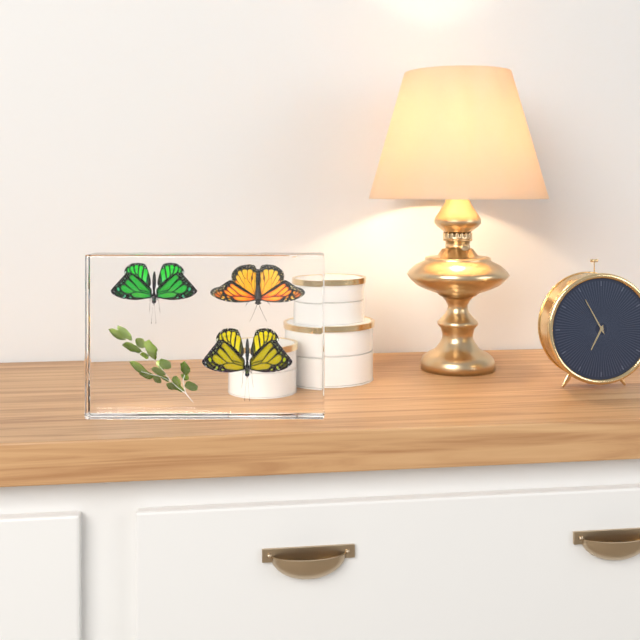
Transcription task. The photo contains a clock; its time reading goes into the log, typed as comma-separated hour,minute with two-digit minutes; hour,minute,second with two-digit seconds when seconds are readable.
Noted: 6,55
